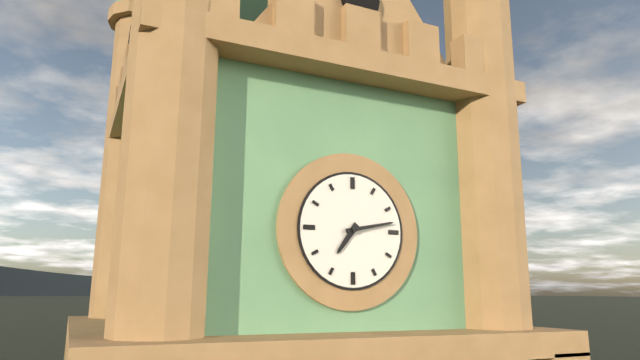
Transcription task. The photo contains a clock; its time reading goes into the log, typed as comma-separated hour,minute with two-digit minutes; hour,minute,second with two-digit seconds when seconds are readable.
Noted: 7,13
